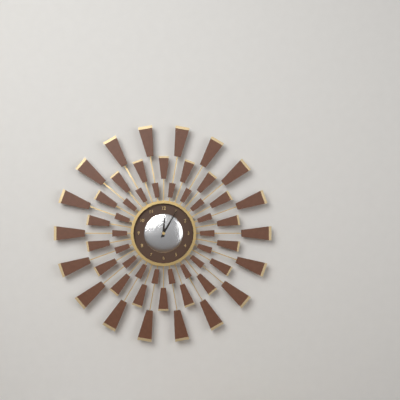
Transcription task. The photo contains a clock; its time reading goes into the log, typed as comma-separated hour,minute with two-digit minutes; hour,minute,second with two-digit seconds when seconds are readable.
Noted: 12,05
